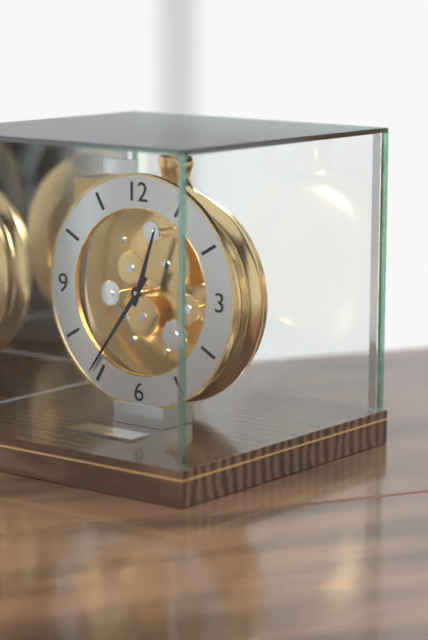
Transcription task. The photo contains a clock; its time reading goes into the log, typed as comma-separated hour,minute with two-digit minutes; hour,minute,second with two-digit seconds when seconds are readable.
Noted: 12,36
